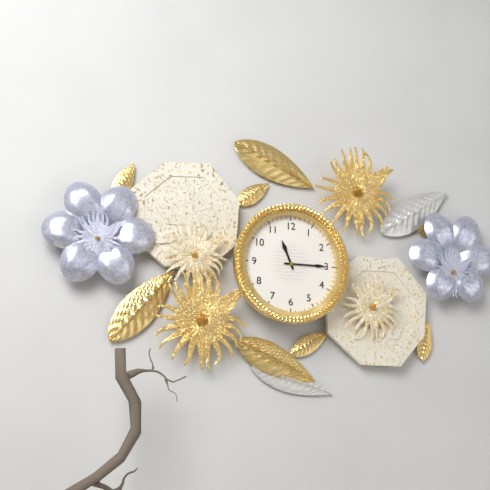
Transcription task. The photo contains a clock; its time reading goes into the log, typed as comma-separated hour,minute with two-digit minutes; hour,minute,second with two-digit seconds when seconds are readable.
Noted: 11,15
